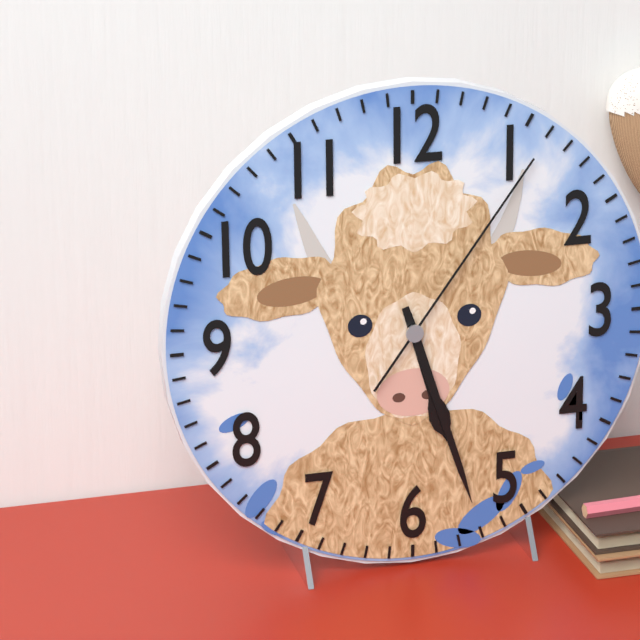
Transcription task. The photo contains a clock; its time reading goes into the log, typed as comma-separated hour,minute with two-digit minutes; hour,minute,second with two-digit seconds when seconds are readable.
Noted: 5,27,06
